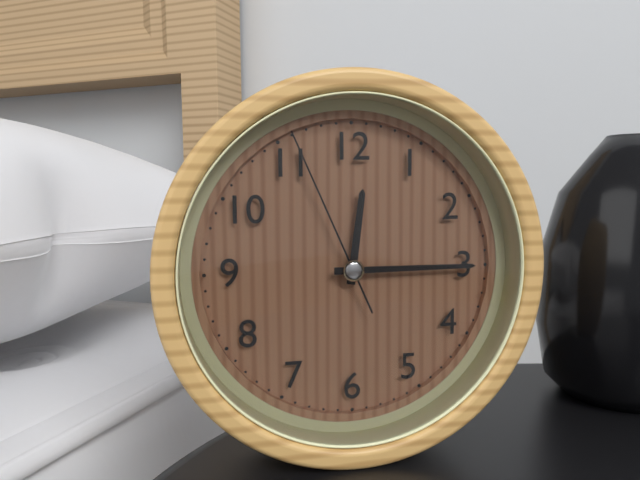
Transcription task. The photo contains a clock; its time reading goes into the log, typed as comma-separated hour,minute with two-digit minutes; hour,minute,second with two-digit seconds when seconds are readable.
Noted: 12,15,56
